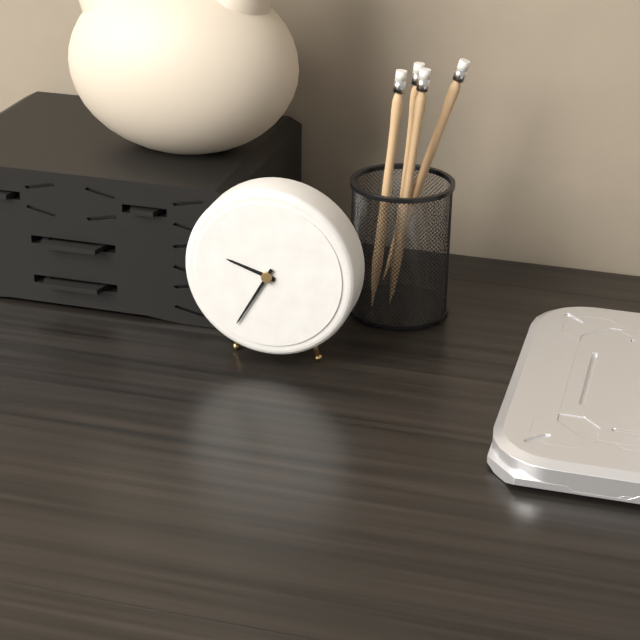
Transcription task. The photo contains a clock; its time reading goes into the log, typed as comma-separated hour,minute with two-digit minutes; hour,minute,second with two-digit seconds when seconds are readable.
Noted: 9,35
